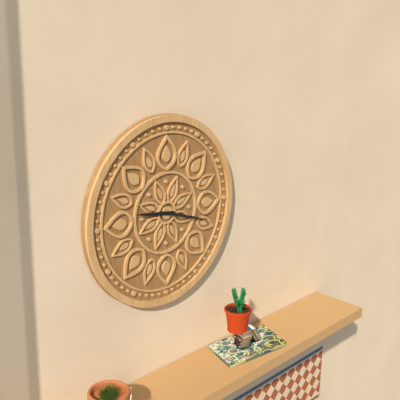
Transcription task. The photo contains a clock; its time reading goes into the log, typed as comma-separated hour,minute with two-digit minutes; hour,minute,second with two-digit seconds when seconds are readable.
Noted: 9,18
